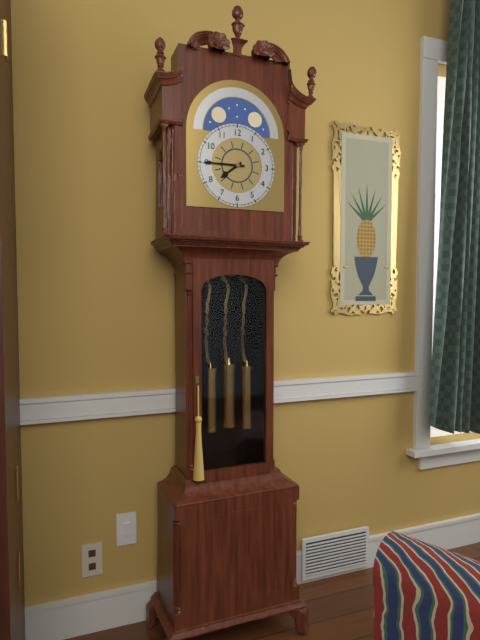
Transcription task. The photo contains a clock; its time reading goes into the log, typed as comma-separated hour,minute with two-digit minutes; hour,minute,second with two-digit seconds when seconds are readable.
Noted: 7,45
